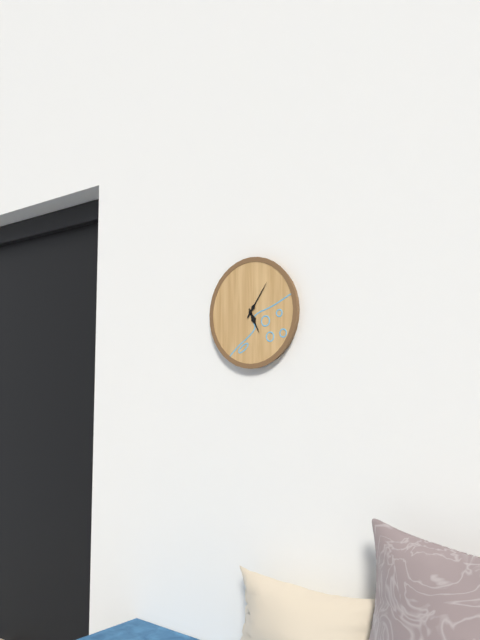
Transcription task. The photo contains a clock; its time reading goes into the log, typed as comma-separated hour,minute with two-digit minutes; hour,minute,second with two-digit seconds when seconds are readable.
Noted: 5,06
